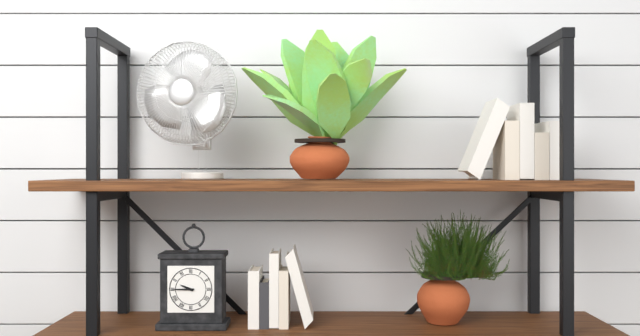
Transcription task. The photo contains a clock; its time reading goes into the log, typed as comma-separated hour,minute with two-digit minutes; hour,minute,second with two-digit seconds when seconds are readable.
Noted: 9,45
